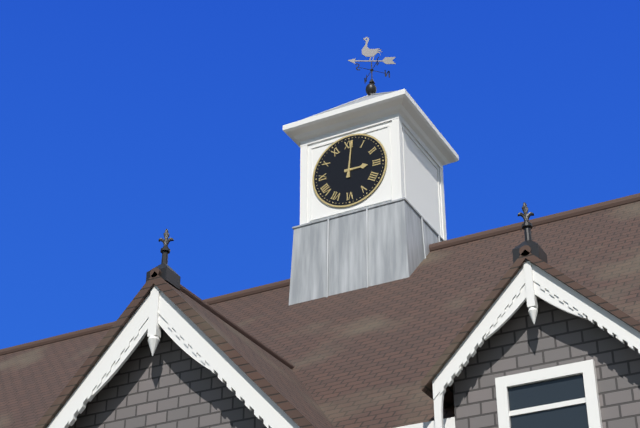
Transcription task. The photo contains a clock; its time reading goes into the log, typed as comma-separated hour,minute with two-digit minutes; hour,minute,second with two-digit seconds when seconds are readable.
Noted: 3,01
